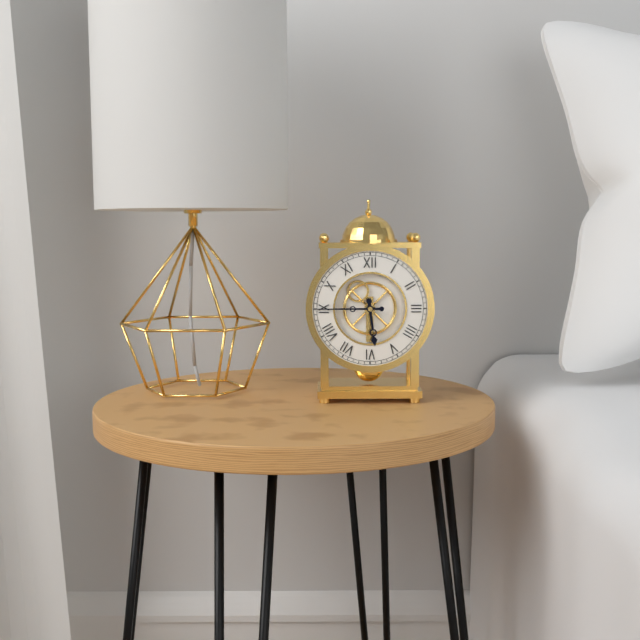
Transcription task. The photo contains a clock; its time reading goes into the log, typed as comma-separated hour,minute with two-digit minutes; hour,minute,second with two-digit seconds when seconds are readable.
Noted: 5,45
